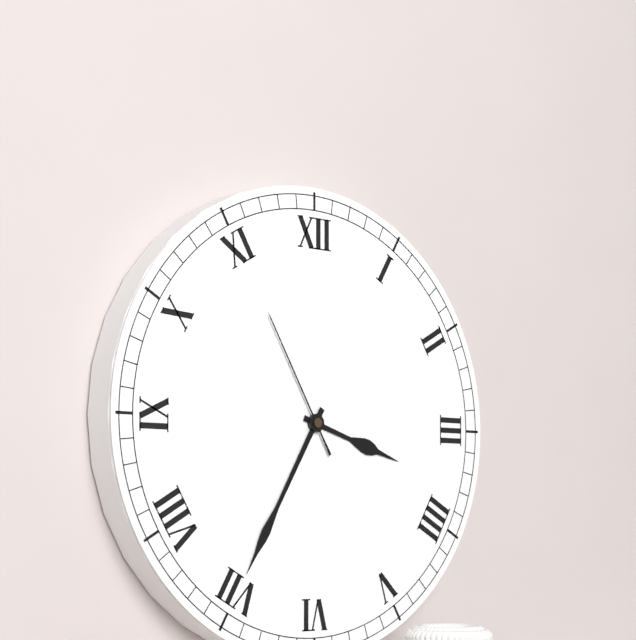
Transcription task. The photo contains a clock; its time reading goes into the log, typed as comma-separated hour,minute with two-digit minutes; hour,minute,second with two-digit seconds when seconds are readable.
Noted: 3,35,55
